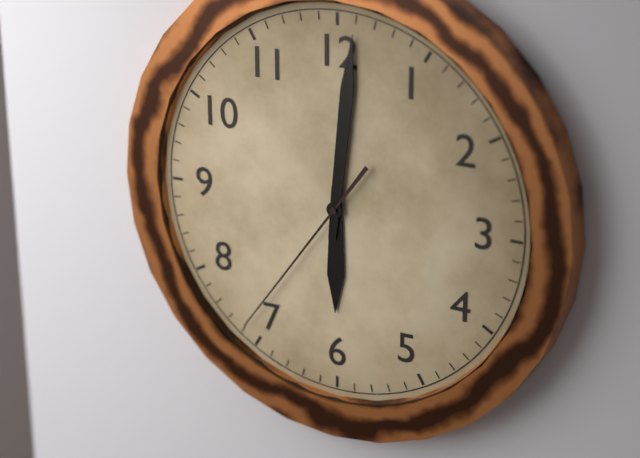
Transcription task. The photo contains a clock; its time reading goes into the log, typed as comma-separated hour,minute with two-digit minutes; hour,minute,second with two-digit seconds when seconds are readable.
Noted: 6,01,36
